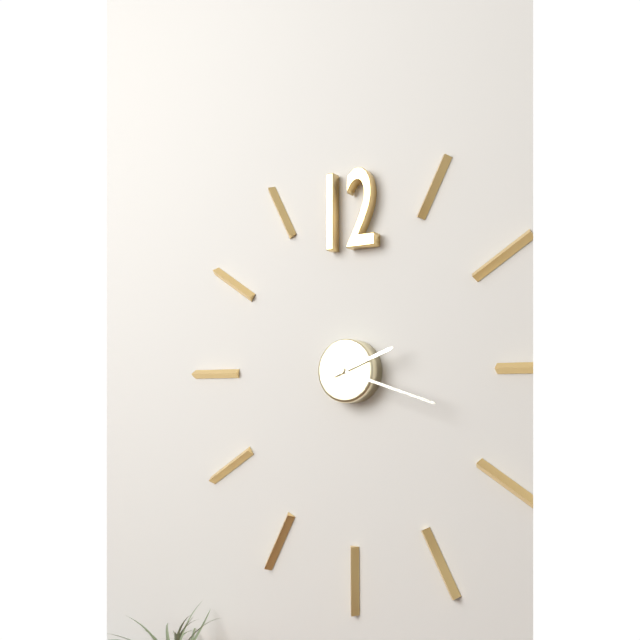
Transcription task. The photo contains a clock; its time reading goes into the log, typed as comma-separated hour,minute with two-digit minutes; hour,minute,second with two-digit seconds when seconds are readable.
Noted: 2,18
